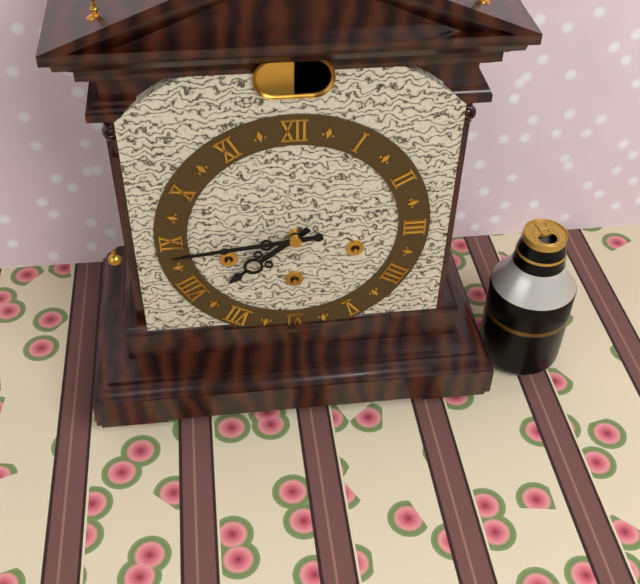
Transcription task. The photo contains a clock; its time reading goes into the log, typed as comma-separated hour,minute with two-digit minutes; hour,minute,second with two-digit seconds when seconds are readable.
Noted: 7,44
